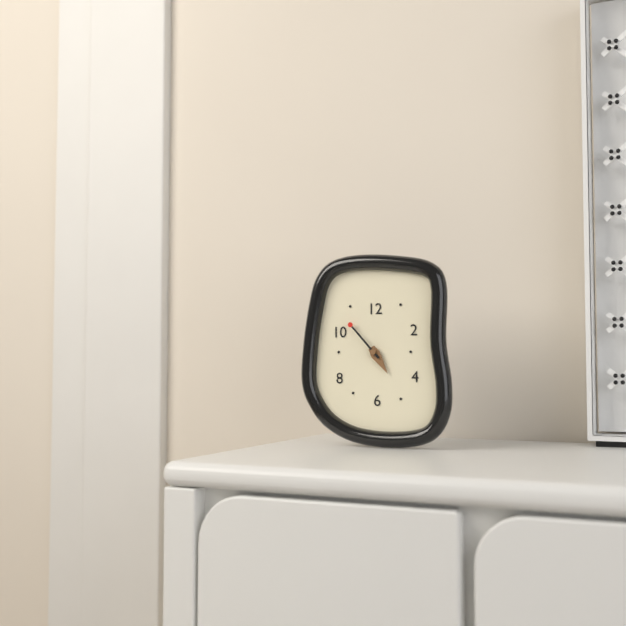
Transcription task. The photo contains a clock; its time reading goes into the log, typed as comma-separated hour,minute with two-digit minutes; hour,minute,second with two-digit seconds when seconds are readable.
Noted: 4,53
